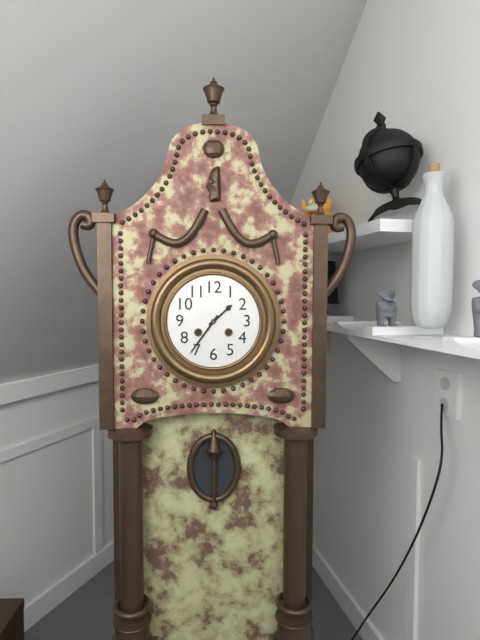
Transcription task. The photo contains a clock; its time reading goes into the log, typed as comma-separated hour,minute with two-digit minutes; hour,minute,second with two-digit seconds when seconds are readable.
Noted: 1,36
